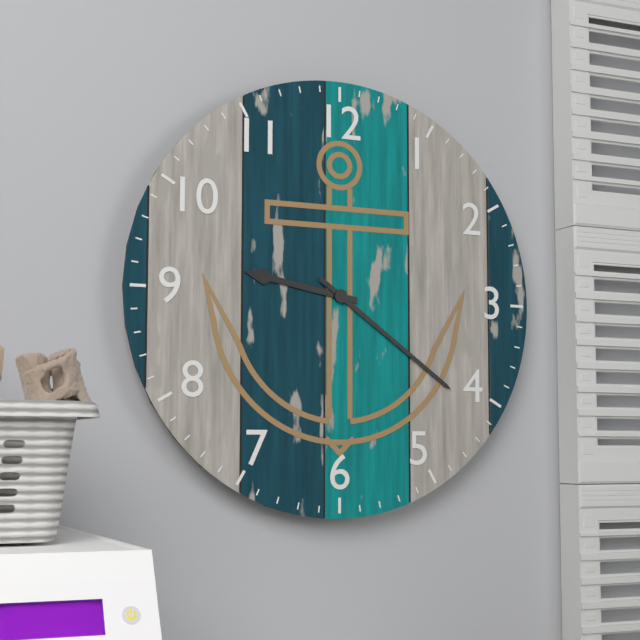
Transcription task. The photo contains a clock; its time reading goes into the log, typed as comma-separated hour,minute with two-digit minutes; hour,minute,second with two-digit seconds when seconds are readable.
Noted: 9,21
